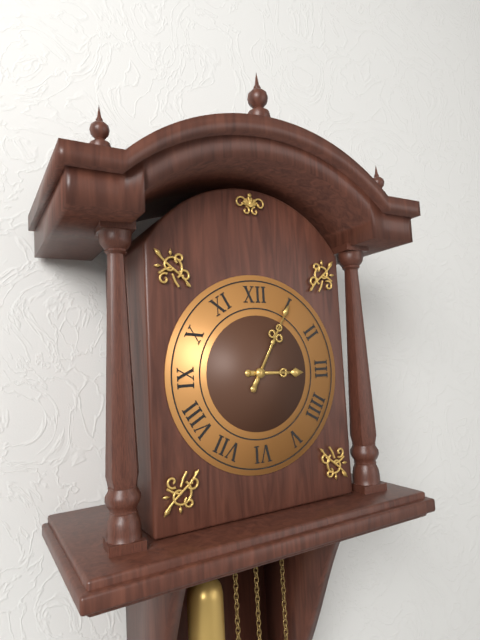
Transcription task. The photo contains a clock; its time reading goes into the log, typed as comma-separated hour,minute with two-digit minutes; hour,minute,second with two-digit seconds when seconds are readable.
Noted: 3,05
